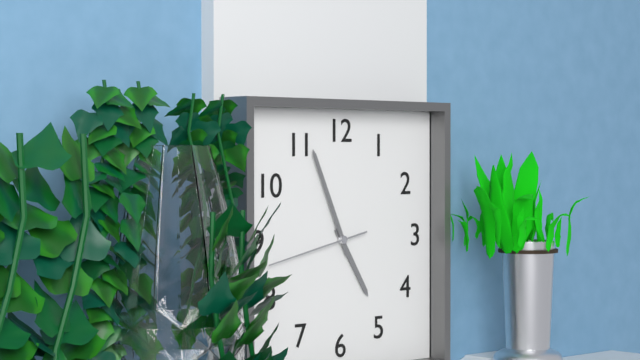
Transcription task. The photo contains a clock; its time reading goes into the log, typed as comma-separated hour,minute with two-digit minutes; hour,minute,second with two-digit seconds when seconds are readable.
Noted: 4,56,43
